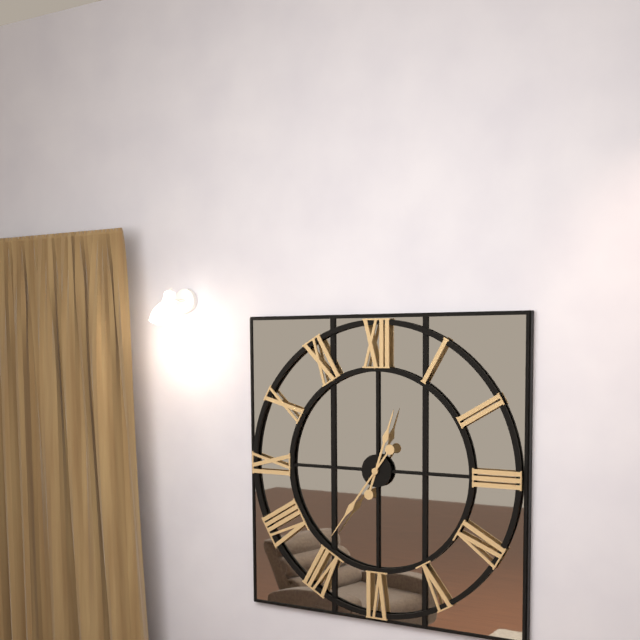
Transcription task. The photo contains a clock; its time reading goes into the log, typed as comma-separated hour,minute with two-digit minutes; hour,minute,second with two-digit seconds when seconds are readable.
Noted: 12,36
